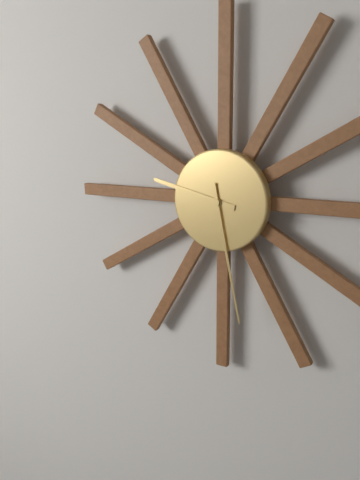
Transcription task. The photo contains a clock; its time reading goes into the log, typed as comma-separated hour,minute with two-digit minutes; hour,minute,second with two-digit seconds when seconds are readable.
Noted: 9,28
